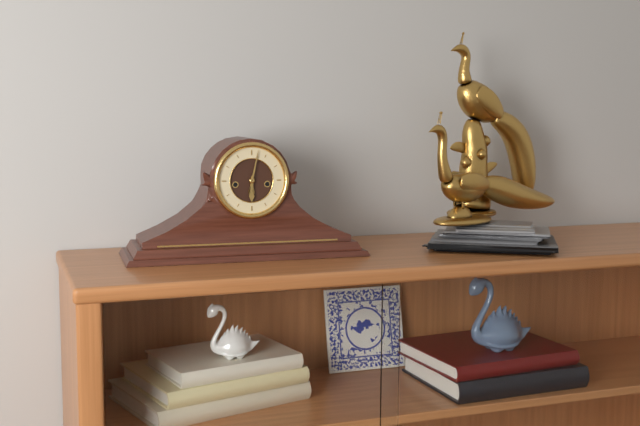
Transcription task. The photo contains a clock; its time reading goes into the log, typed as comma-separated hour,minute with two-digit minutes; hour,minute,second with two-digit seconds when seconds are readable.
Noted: 6,02
